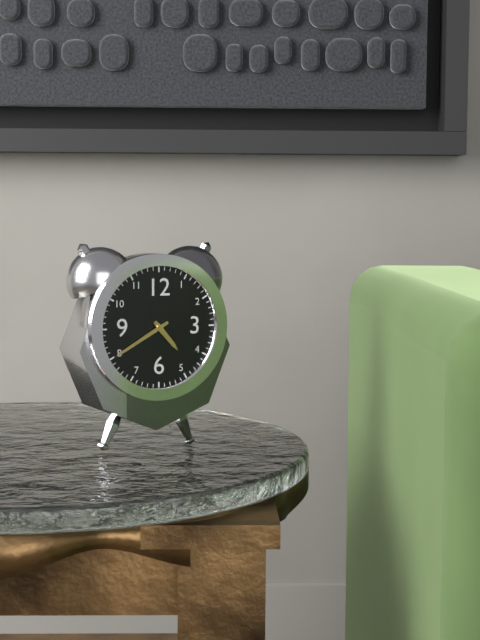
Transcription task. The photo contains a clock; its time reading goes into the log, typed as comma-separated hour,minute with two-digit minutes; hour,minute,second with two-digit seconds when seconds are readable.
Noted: 4,40
